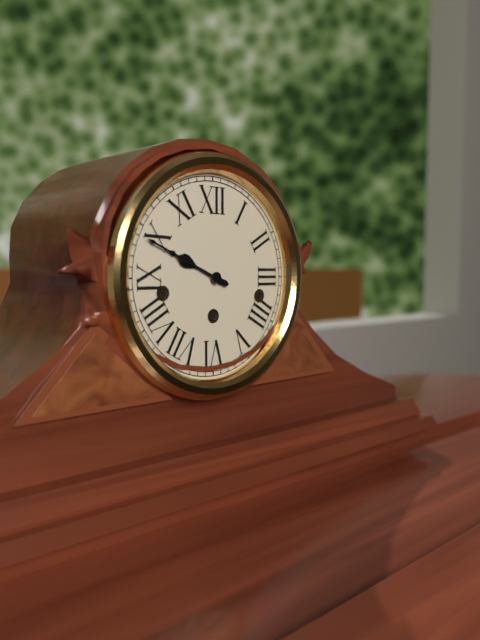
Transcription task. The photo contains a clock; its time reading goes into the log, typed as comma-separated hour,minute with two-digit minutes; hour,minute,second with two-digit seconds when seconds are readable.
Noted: 9,49
